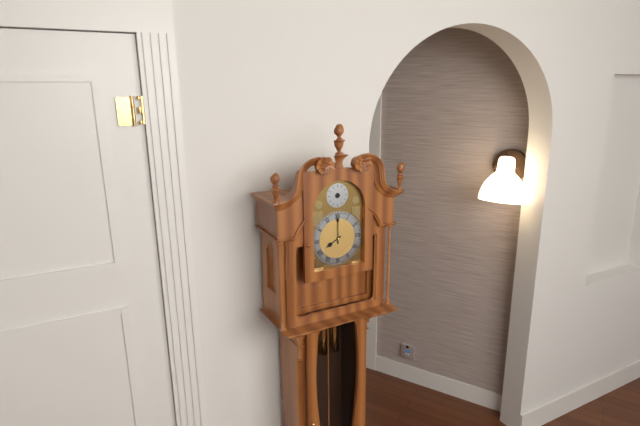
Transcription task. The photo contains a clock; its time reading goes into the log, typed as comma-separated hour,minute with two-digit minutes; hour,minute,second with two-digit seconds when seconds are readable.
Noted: 8,00
